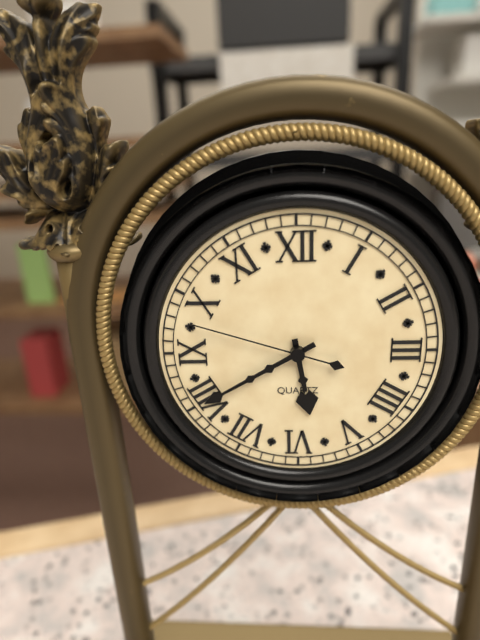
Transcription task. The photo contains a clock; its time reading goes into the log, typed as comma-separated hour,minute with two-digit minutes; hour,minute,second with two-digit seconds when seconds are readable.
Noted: 5,40,48
